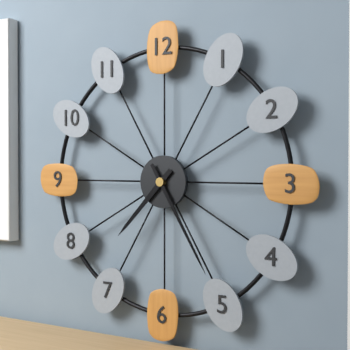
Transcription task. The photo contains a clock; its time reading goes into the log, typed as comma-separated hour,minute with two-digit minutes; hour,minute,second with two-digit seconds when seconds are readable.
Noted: 7,25
